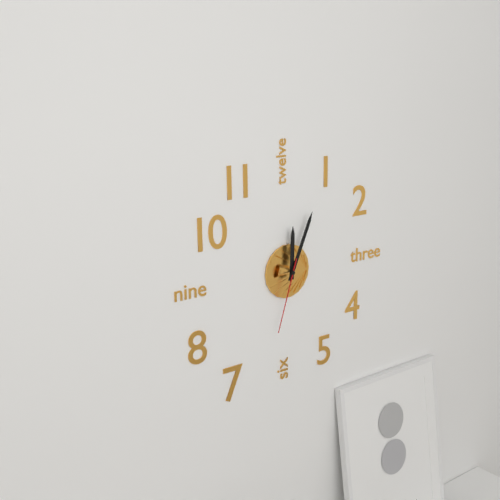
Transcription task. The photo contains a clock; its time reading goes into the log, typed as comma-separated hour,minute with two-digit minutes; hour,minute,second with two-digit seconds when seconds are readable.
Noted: 12,04,33
